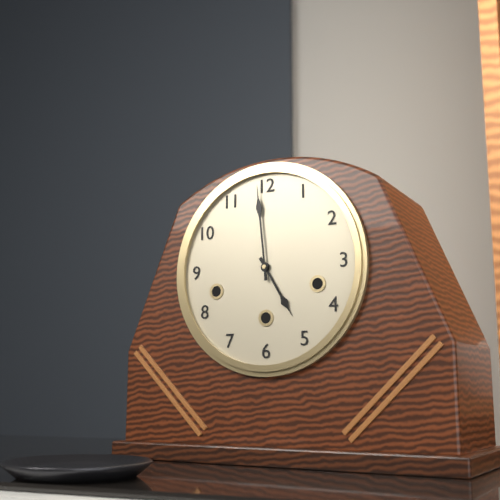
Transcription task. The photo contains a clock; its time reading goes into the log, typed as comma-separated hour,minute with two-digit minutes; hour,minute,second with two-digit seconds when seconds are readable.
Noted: 4,59
